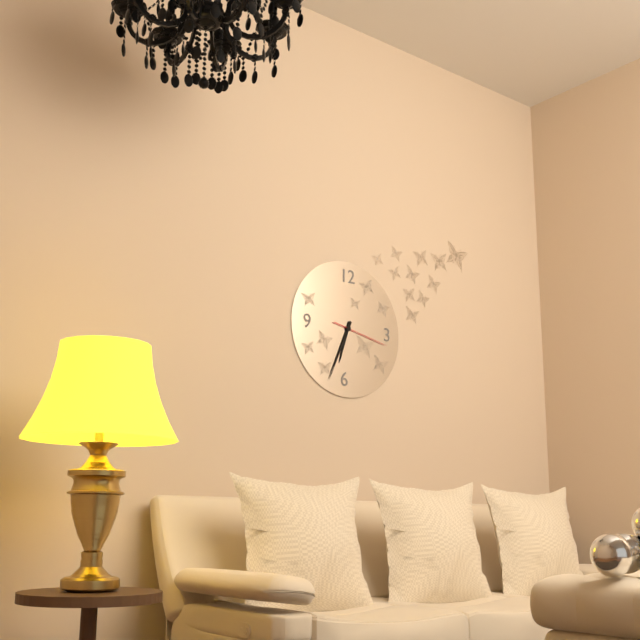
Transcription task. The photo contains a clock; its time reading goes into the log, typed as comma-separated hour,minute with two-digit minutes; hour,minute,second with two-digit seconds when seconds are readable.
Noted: 6,34,17
